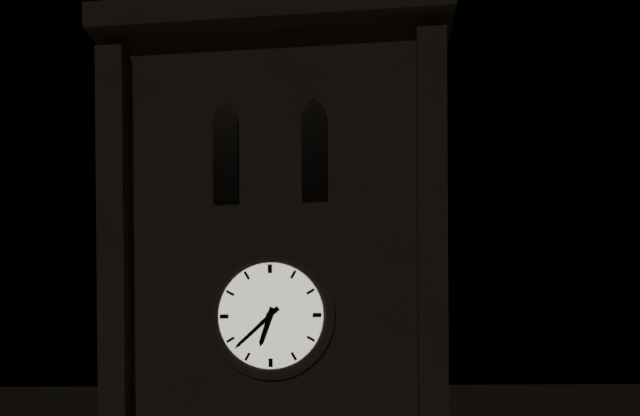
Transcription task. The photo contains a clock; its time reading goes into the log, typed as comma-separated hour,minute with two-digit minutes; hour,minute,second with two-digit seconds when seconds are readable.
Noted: 6,38
